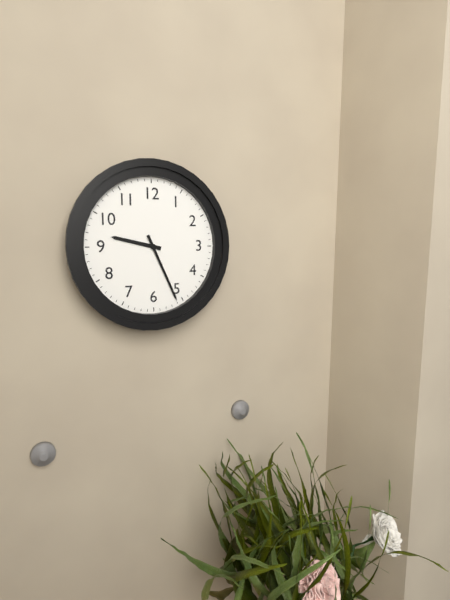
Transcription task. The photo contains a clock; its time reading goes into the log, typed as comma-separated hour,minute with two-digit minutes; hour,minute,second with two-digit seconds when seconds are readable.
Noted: 9,26
